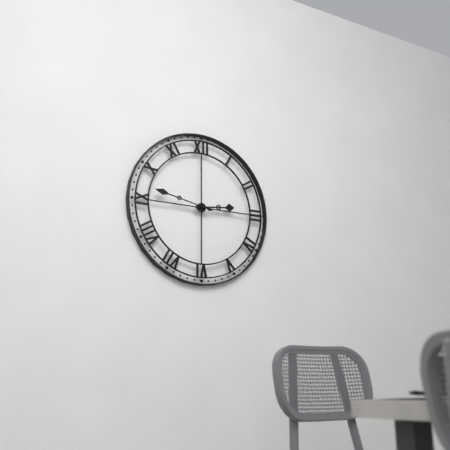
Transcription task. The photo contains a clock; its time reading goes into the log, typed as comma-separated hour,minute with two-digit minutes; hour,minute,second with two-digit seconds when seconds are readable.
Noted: 2,47
